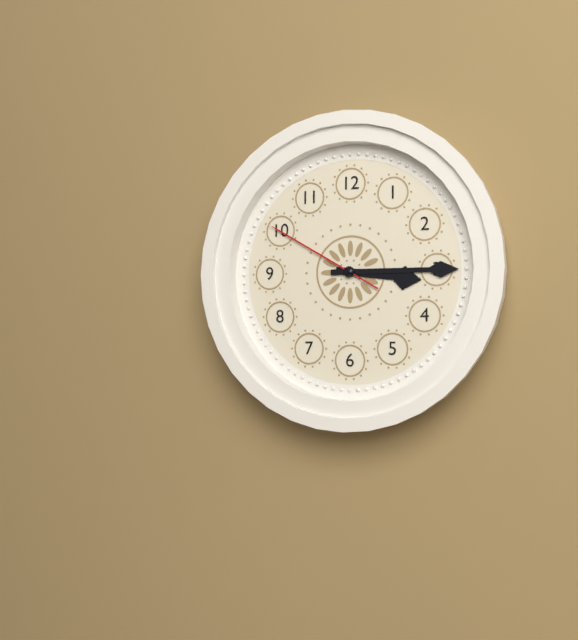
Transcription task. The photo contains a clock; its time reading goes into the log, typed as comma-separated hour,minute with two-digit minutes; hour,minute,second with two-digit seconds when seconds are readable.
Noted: 3,15,50
